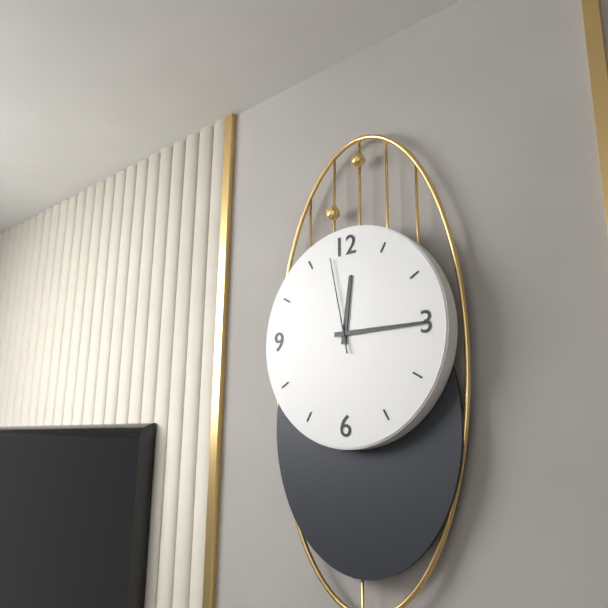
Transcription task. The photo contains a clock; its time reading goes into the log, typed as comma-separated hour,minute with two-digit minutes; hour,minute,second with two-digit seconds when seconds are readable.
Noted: 12,15,58
